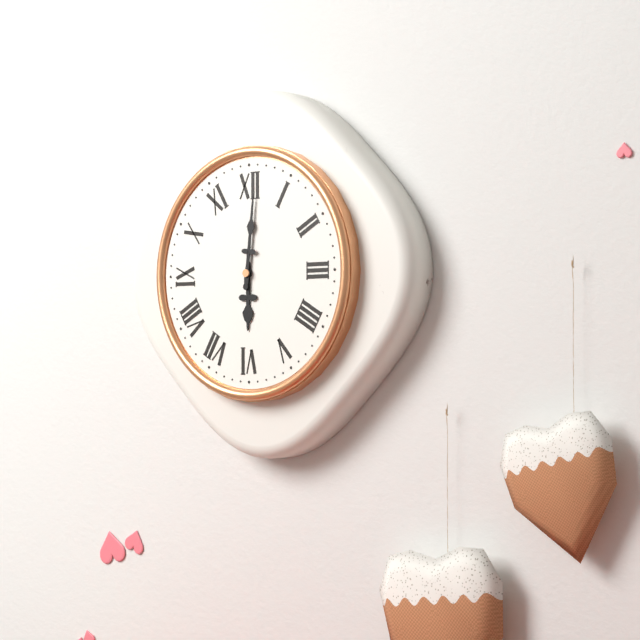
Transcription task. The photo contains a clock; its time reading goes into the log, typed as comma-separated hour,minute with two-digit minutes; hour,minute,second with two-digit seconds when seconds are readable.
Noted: 6,01
